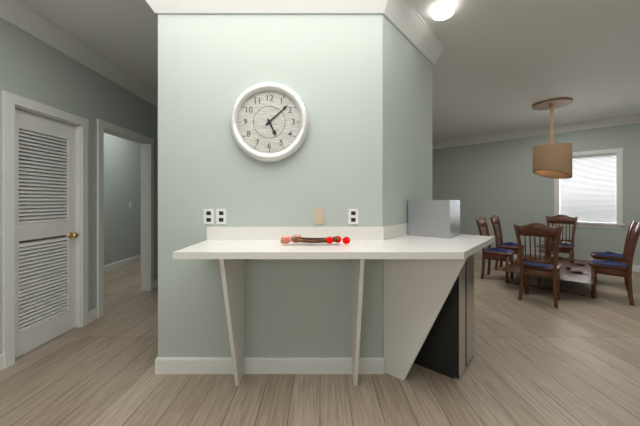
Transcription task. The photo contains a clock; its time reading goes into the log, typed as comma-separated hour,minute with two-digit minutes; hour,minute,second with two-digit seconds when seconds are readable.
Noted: 5,08
